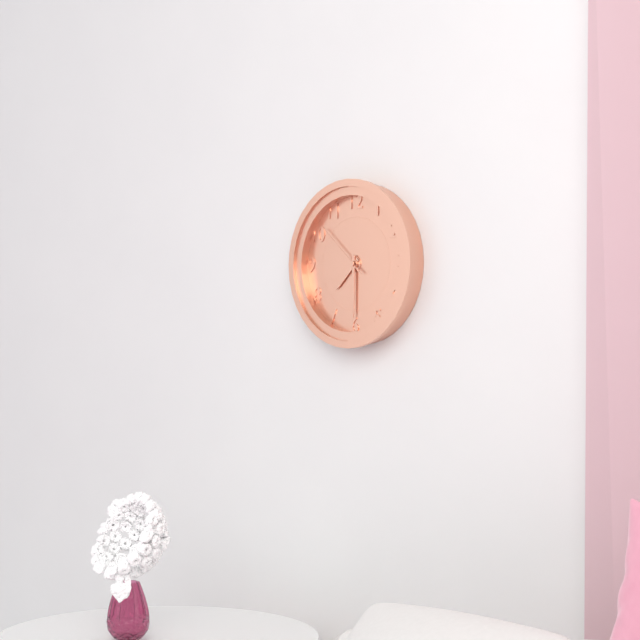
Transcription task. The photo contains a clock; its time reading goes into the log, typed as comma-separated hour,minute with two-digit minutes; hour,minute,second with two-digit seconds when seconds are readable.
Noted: 7,30,52
